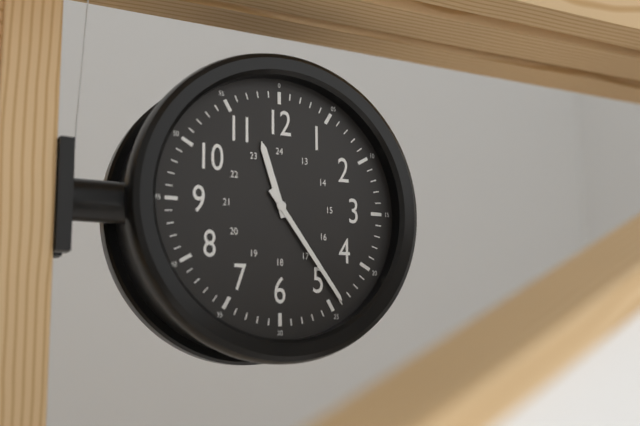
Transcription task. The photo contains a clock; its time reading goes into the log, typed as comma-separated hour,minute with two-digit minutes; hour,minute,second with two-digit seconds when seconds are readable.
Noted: 11,24
